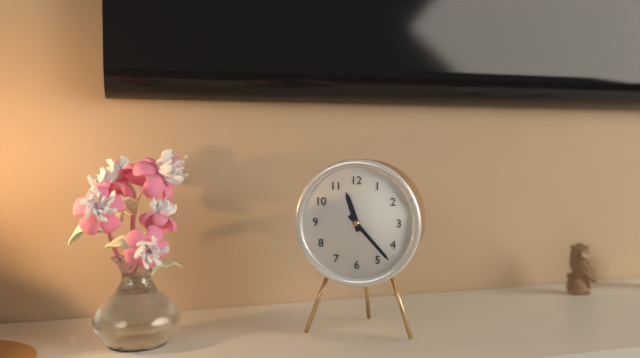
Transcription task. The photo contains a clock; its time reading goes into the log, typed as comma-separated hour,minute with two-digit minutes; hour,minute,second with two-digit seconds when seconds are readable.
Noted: 11,23
